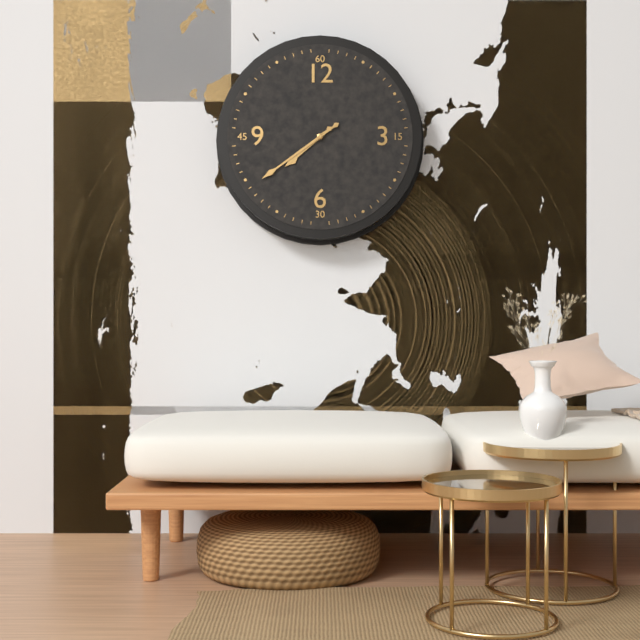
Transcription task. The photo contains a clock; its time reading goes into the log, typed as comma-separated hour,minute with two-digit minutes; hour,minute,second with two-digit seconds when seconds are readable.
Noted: 7,39
